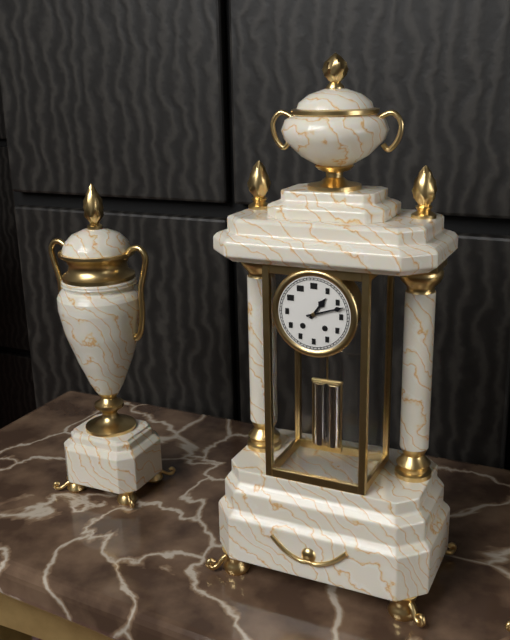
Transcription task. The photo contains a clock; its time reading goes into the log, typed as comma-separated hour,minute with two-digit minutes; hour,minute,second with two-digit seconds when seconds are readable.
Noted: 1,12
